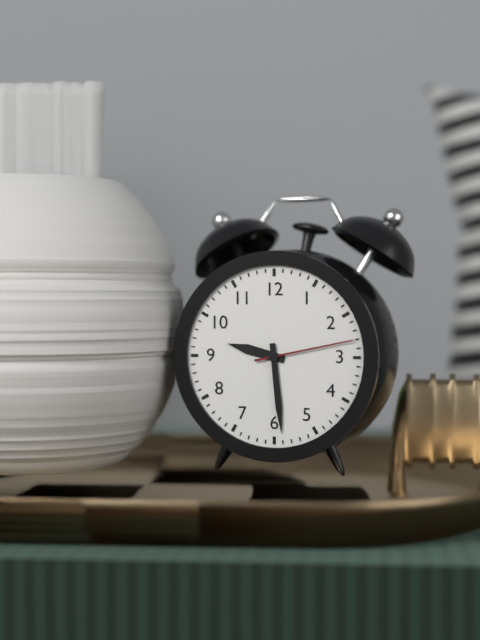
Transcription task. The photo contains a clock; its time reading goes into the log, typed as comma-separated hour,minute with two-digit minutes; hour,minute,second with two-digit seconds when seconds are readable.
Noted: 9,29,13
